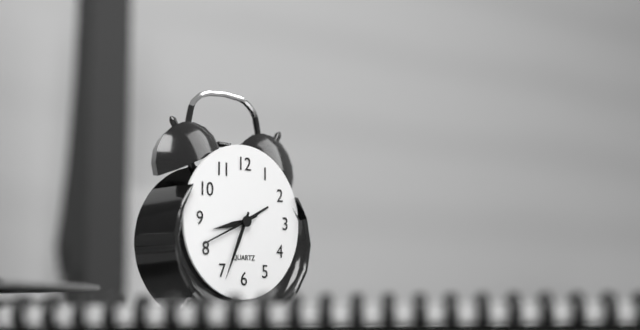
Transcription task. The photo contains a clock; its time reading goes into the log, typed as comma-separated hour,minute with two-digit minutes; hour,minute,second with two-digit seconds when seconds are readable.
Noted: 8,34,41
